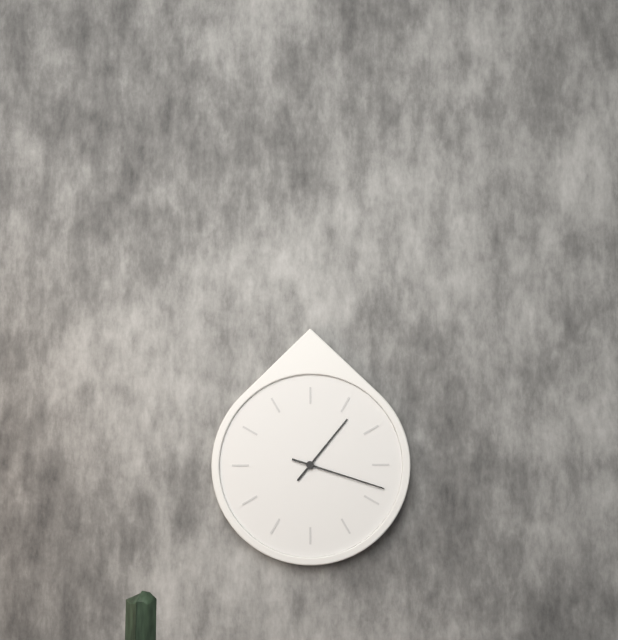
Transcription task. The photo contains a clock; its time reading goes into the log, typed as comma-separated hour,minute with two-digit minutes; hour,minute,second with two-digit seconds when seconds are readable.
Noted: 1,18
